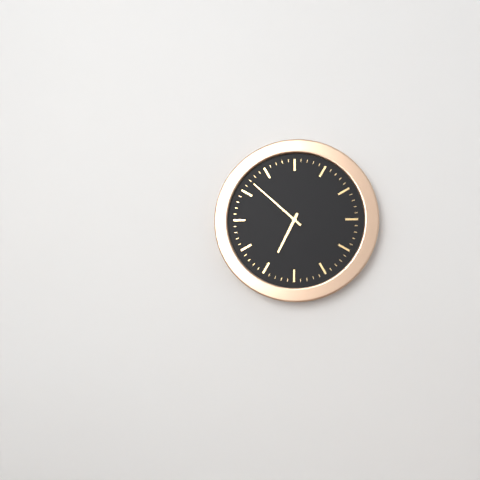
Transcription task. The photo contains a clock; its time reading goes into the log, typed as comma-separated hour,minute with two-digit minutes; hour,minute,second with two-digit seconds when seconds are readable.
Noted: 6,52
